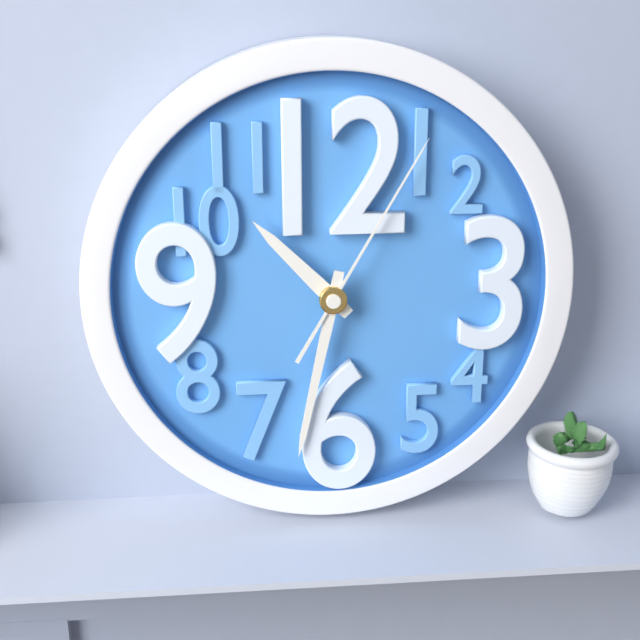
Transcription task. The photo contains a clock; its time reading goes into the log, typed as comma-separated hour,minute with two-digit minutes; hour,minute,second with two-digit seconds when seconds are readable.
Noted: 10,32,05
